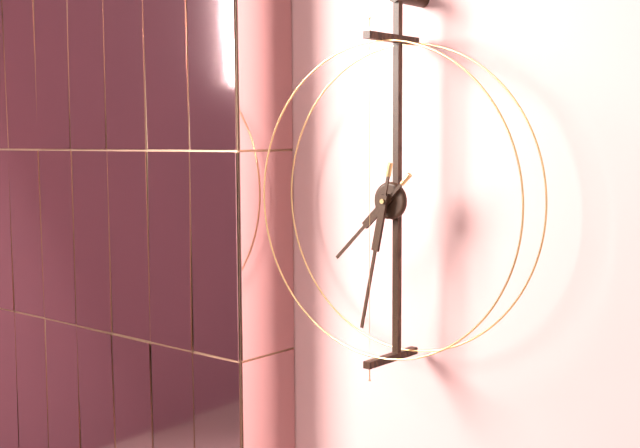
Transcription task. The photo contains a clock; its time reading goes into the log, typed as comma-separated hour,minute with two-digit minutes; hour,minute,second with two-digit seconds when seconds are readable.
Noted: 7,32
